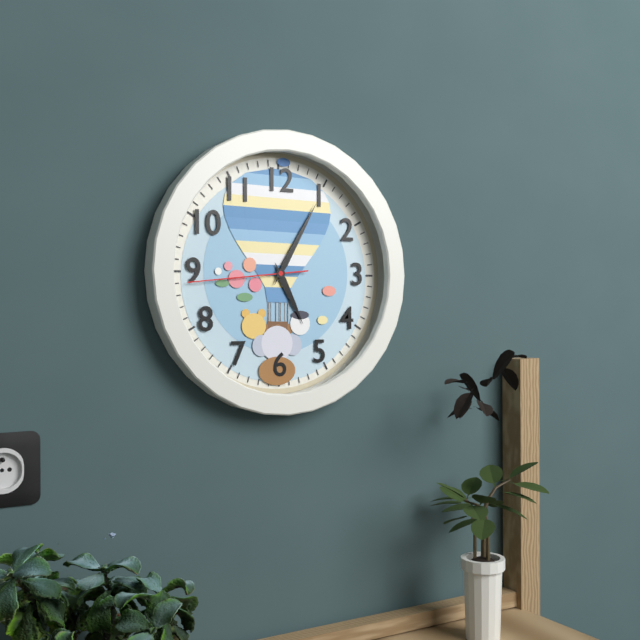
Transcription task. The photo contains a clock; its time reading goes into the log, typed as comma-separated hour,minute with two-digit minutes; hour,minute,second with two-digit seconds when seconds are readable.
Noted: 5,05,44
